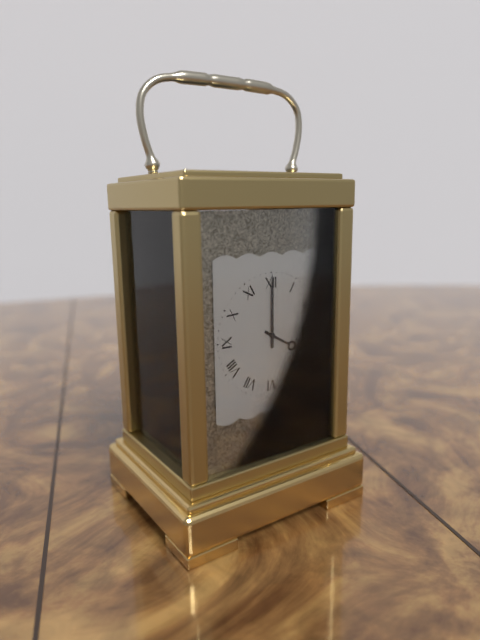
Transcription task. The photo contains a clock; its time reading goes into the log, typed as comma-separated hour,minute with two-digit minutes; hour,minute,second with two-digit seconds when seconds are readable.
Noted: 4,00
